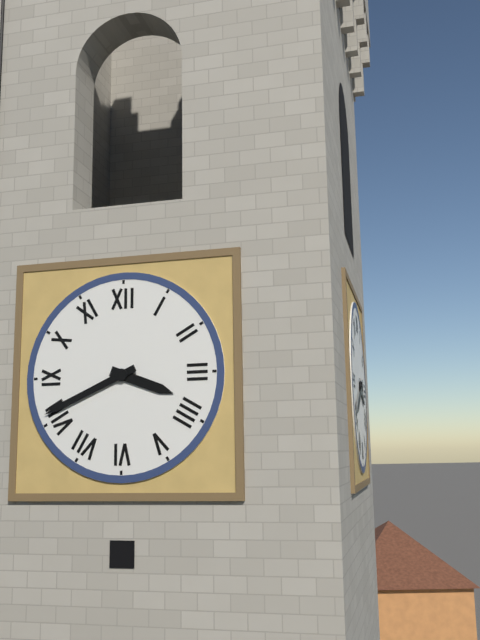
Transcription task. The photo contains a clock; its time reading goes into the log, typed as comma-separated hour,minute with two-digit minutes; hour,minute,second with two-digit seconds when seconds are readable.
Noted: 3,41
